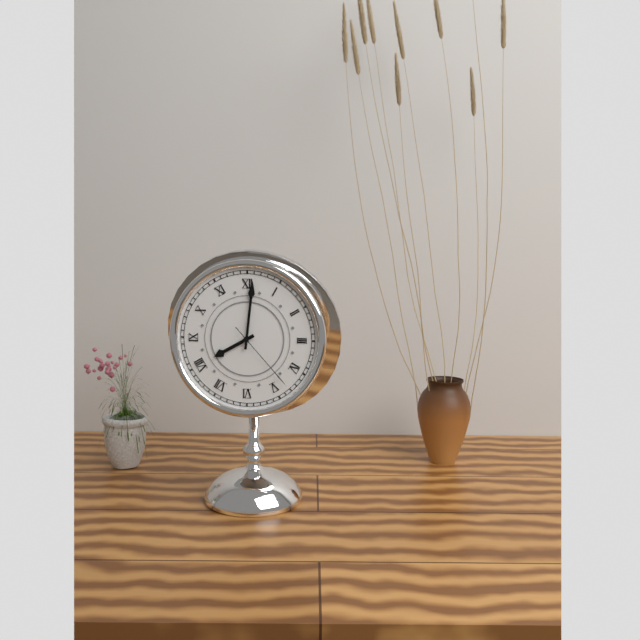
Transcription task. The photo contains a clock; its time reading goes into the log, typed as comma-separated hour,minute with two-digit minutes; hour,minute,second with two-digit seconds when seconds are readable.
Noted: 8,01,23
